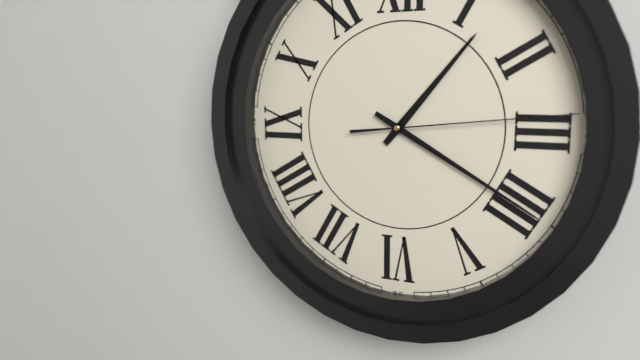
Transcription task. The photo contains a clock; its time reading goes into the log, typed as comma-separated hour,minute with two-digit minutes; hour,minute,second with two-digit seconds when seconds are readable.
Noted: 1,20,14
